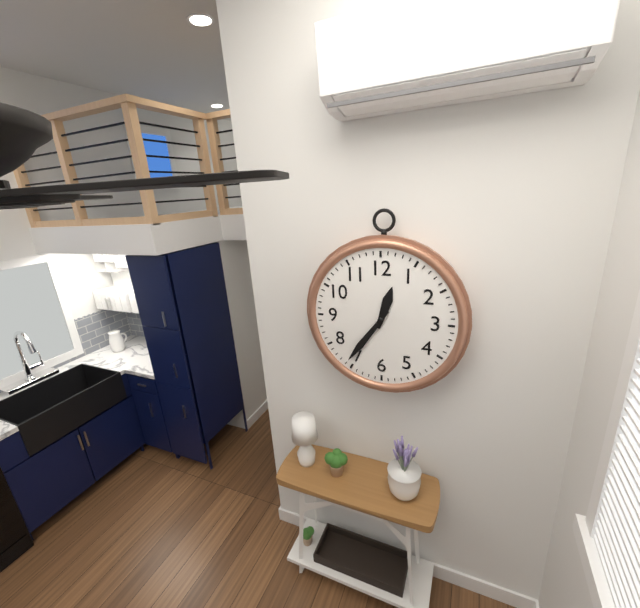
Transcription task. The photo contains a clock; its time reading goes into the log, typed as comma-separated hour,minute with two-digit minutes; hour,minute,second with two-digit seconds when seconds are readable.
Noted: 12,36
